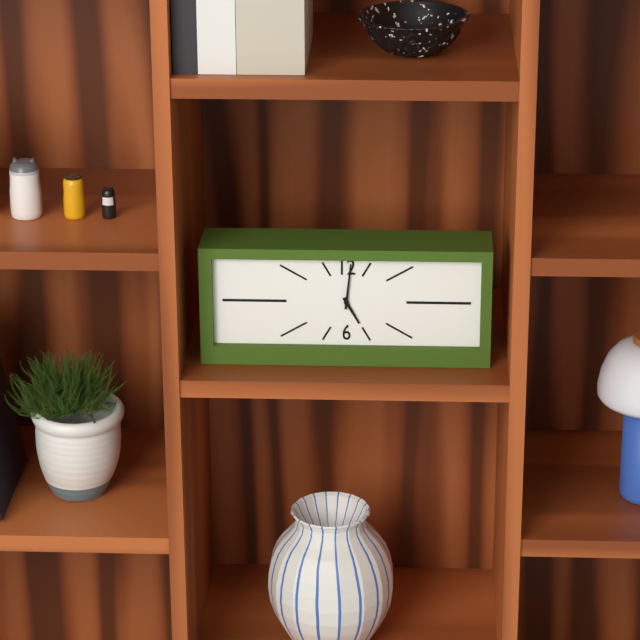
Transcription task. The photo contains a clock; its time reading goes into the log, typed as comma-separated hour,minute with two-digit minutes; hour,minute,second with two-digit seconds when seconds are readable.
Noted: 5,01
